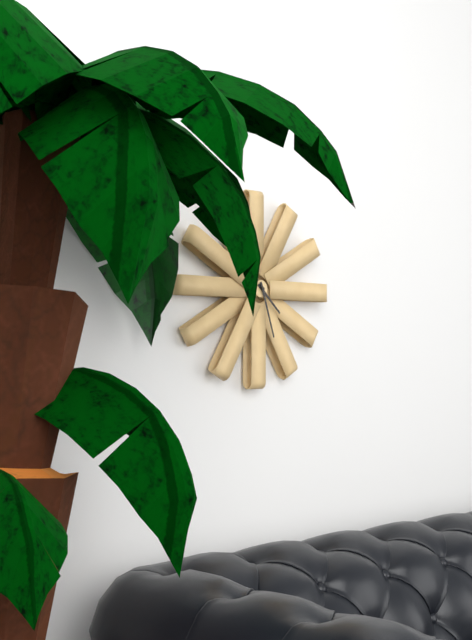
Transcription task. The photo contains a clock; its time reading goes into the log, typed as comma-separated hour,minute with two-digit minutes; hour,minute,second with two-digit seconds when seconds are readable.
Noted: 4,27
